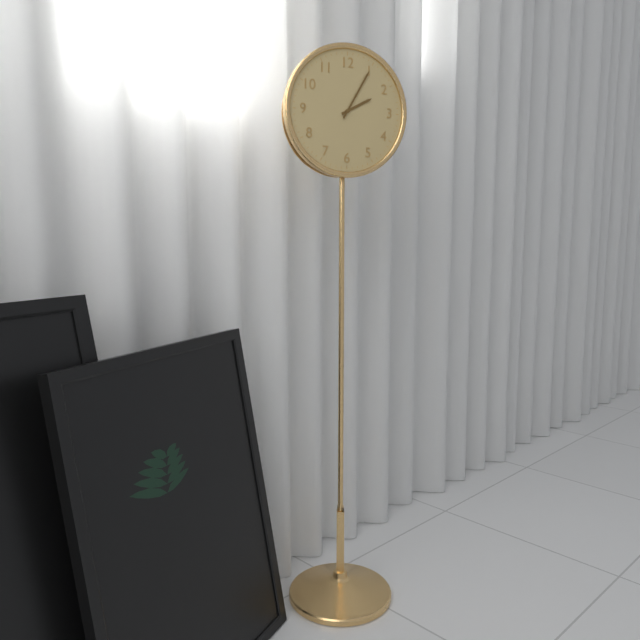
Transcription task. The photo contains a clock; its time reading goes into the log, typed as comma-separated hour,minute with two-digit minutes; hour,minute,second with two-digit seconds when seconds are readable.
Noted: 2,05
